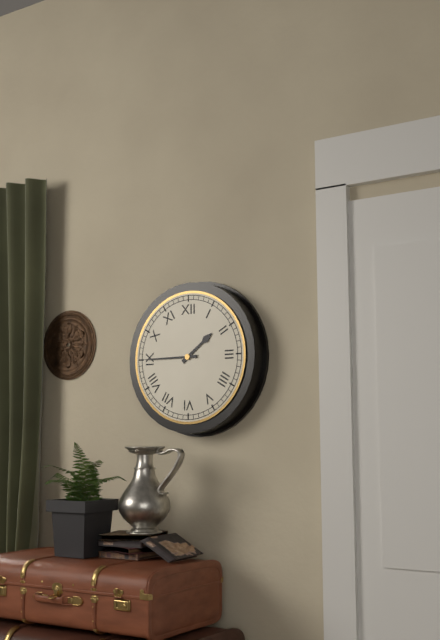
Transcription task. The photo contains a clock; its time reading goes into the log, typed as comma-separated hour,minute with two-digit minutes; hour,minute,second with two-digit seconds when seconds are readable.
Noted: 1,45
